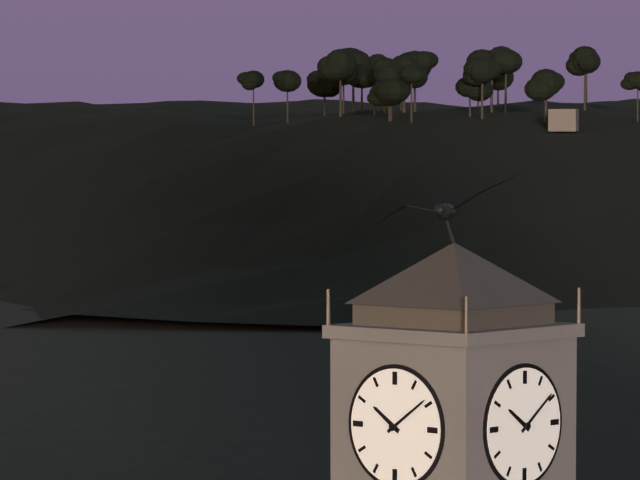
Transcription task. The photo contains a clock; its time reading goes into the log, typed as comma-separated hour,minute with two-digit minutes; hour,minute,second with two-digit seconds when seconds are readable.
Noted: 10,09
